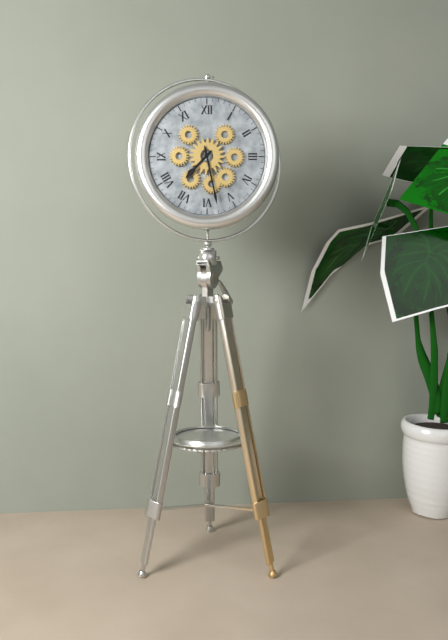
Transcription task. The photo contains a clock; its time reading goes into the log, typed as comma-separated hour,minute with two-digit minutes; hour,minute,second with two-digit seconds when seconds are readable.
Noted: 7,28
